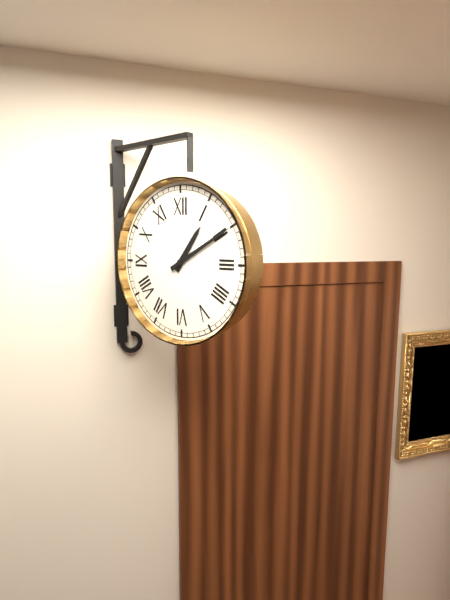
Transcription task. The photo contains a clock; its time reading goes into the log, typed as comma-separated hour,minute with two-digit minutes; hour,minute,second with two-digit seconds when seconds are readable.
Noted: 1,10
